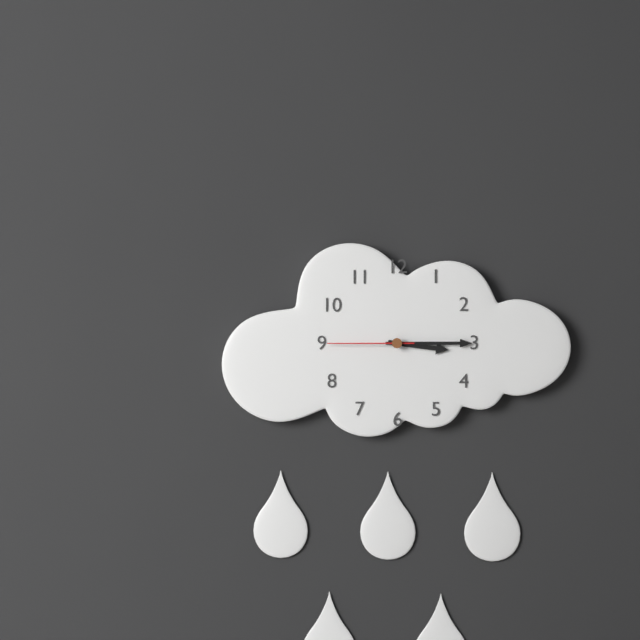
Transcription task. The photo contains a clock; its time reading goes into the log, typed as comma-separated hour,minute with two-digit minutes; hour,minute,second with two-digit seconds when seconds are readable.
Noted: 3,15,45
